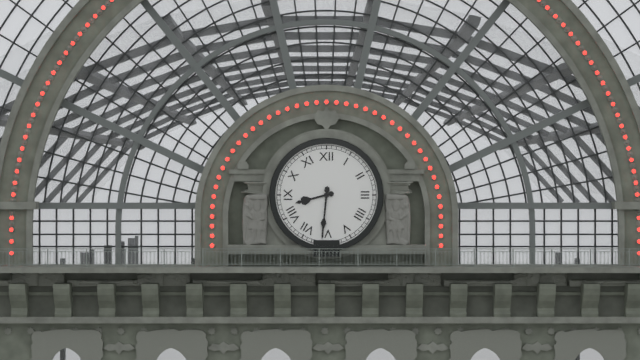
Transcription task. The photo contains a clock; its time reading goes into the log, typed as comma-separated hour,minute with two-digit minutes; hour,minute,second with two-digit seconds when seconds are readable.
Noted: 8,31
